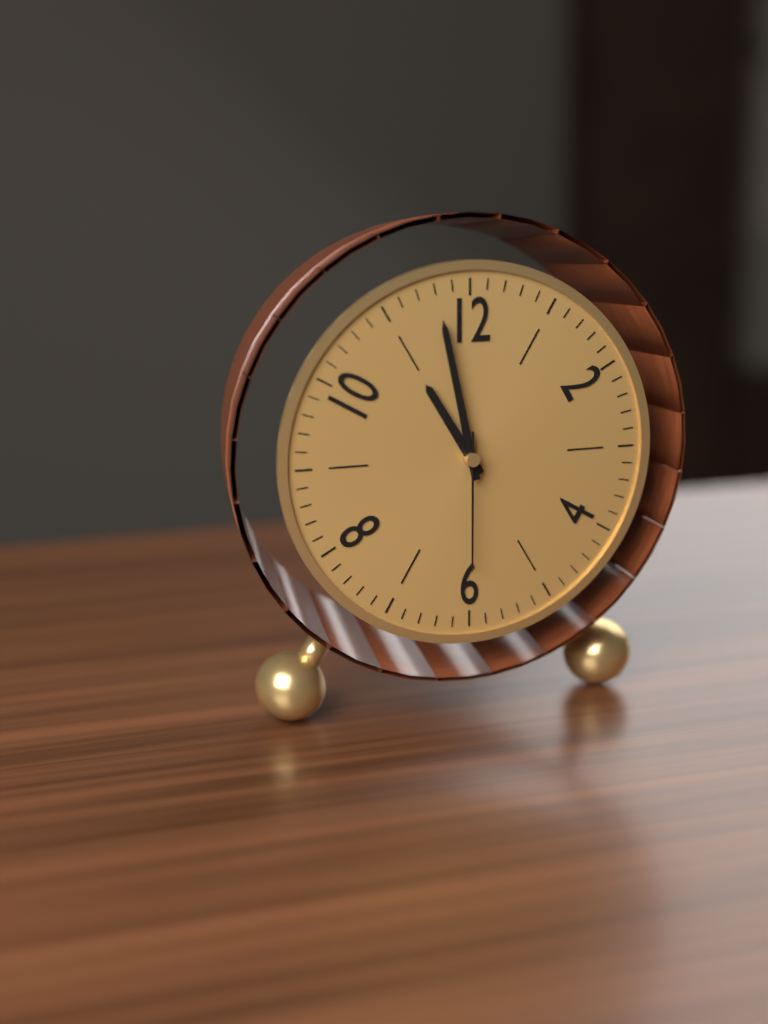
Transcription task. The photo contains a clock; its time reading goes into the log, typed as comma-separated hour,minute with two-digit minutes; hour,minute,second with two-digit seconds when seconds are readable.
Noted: 10,58,30
